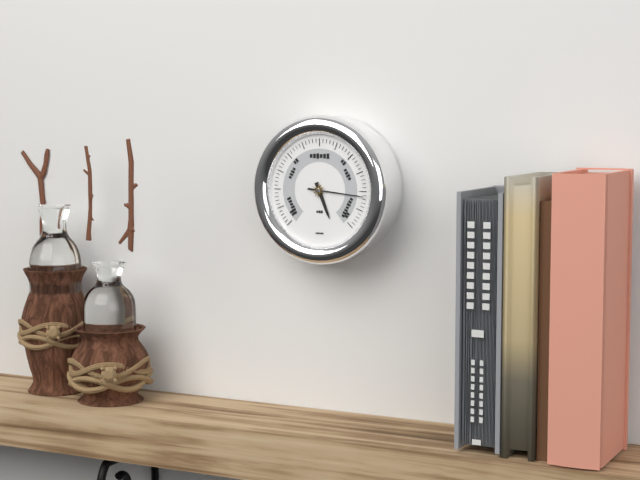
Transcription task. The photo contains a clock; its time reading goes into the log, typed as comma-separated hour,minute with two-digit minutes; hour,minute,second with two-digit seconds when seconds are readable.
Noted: 5,16
